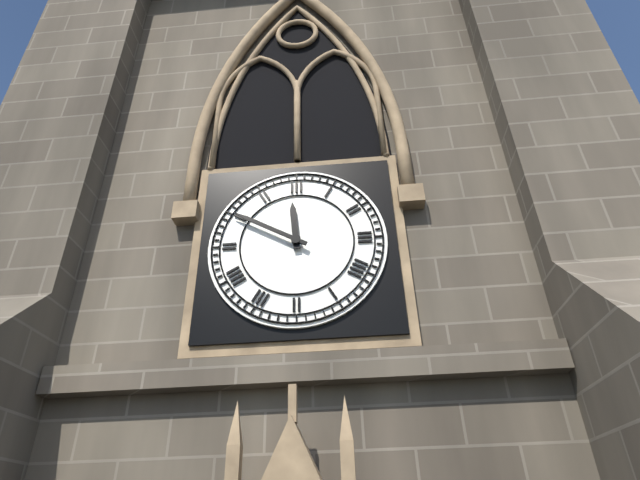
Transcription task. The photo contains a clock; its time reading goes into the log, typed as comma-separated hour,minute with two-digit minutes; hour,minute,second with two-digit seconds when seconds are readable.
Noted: 11,50
